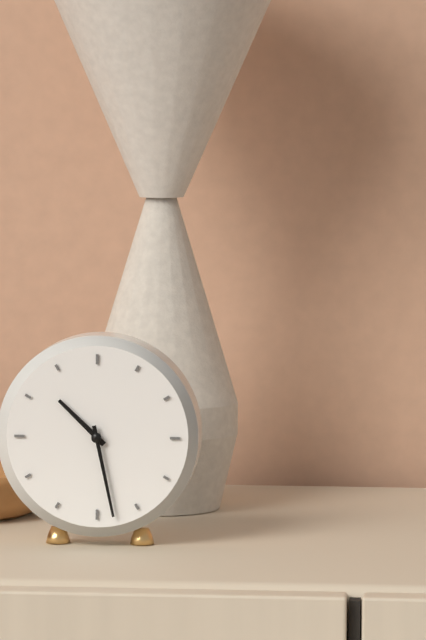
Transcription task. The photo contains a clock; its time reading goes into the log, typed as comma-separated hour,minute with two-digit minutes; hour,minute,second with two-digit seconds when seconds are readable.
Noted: 10,28
